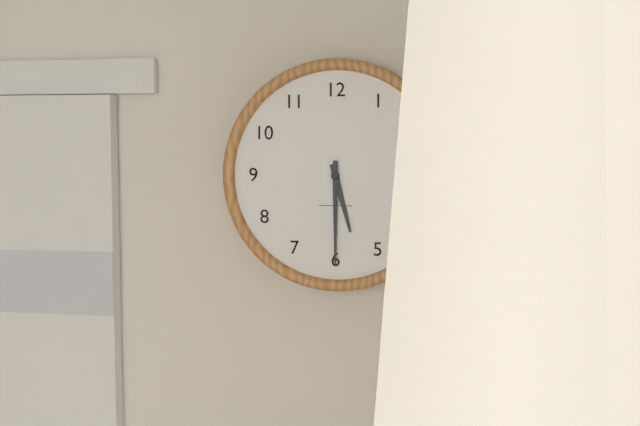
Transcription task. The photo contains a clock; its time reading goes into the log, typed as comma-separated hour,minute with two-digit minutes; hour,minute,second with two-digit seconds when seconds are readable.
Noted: 5,30
